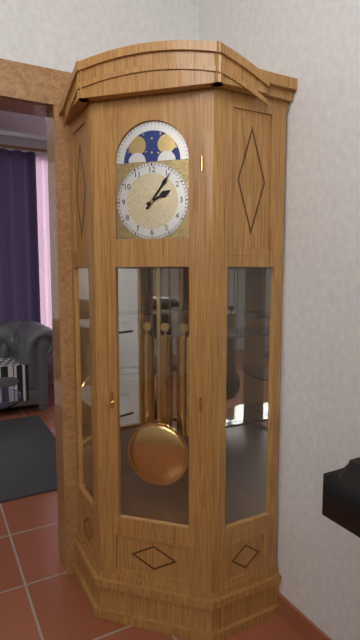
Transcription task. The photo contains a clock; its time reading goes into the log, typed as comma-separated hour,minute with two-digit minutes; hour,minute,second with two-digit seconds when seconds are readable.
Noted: 2,06
